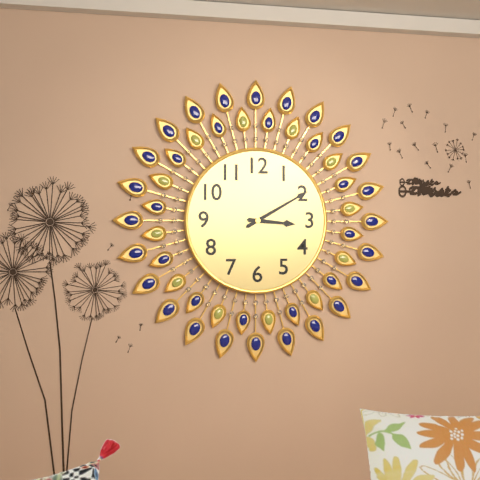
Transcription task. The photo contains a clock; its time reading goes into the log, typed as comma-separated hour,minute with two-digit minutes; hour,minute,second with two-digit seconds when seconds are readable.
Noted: 3,10
